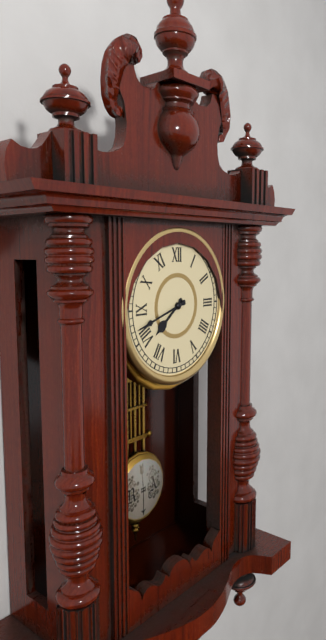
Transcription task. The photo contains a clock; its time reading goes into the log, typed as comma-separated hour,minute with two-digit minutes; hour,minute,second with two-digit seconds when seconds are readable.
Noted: 7,42
